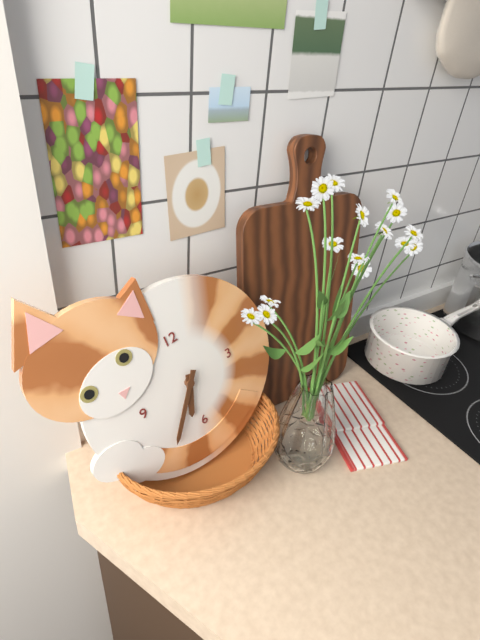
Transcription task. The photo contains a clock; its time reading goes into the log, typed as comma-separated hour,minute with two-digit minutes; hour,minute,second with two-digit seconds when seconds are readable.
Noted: 6,36
